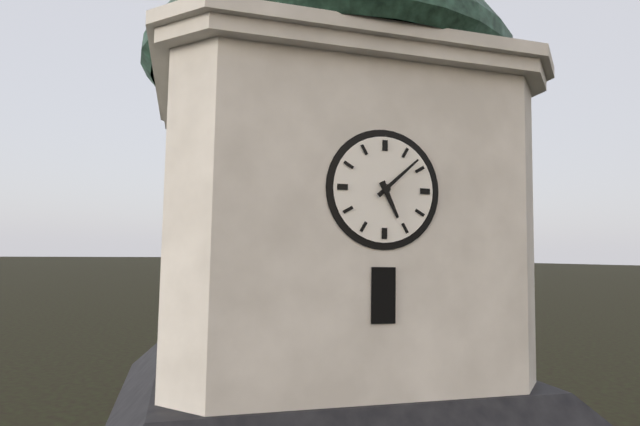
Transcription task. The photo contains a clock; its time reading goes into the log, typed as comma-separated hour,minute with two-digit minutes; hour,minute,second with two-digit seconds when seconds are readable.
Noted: 5,08
